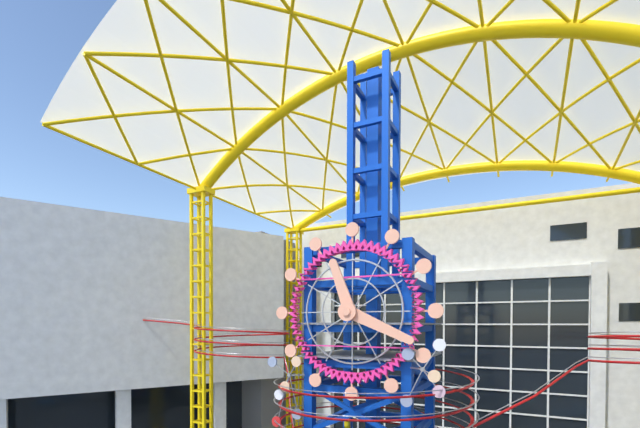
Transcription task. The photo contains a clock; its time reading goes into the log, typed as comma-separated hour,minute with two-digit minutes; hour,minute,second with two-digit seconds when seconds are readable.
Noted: 11,19
